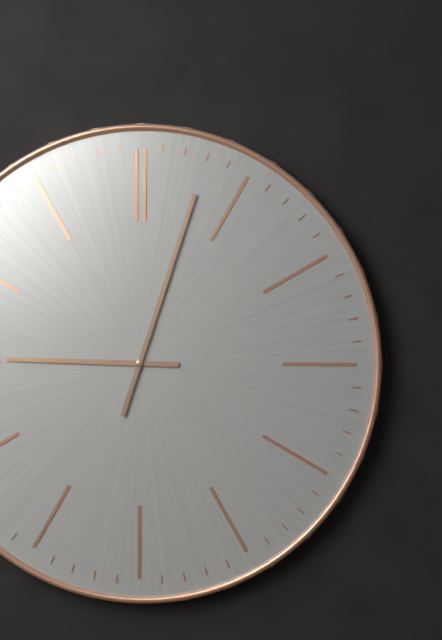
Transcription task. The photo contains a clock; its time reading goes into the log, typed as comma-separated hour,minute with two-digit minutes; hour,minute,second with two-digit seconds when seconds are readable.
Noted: 9,03
